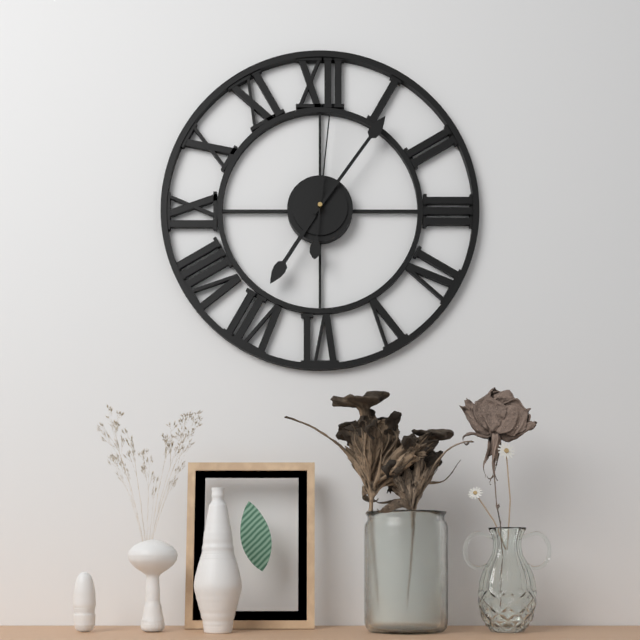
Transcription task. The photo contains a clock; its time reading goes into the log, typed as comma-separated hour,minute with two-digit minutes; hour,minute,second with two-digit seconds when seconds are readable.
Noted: 7,06,01
